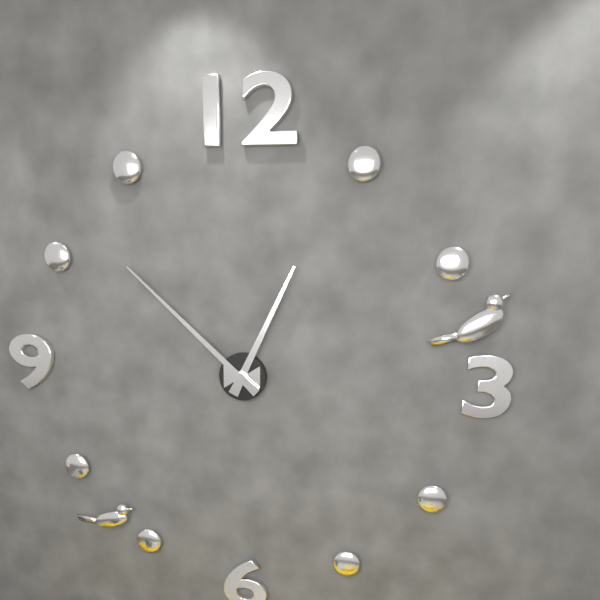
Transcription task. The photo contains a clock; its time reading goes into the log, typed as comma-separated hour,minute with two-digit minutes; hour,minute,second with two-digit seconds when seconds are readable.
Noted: 12,52
